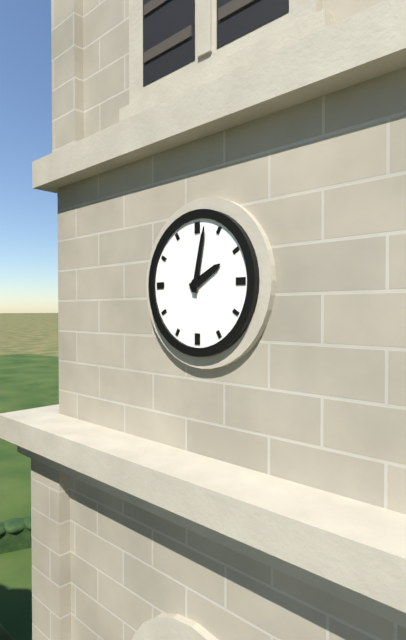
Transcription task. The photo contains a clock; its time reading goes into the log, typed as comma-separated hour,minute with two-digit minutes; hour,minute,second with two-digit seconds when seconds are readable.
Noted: 2,02
